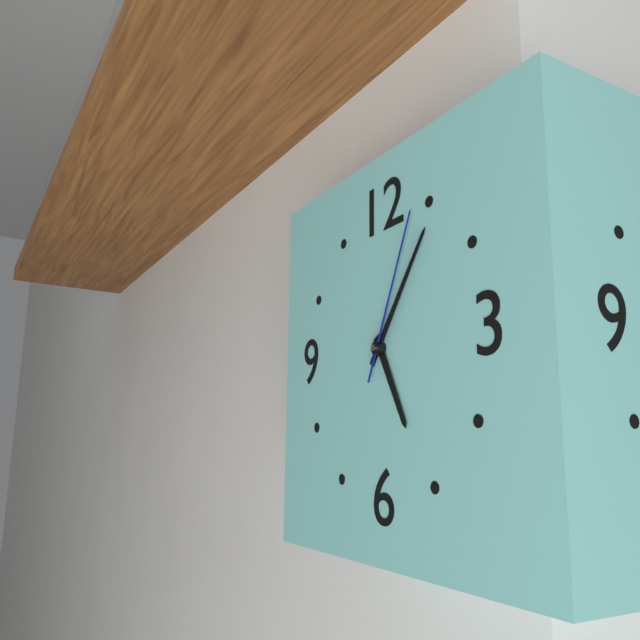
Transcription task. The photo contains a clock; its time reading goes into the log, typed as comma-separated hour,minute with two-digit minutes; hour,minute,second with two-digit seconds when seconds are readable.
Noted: 5,06,04
